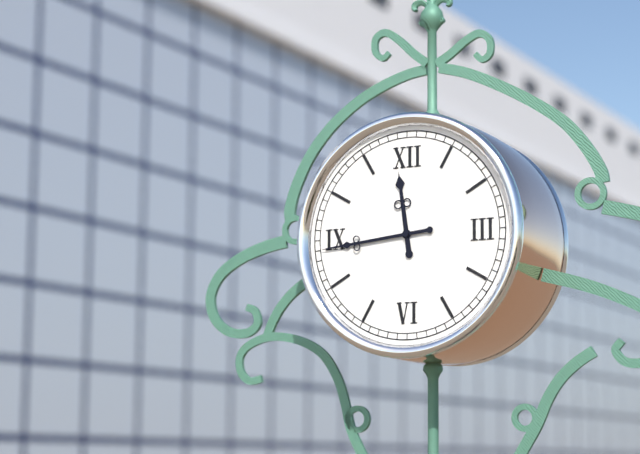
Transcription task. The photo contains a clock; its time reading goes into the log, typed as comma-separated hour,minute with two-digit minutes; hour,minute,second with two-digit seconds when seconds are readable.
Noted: 11,44
